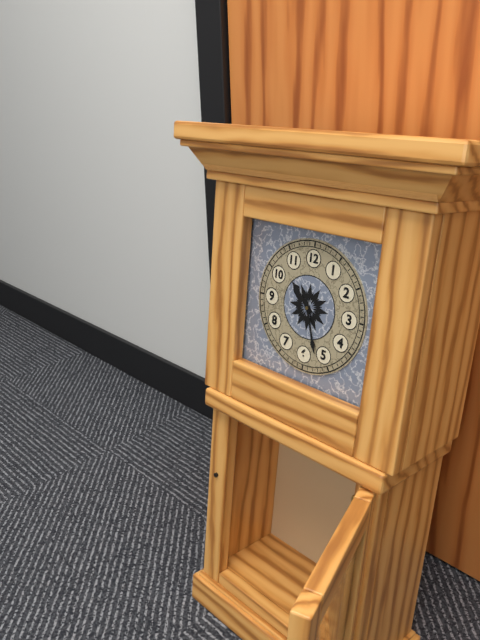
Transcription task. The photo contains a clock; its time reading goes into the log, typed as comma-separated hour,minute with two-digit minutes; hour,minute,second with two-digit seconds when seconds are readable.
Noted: 10,27
